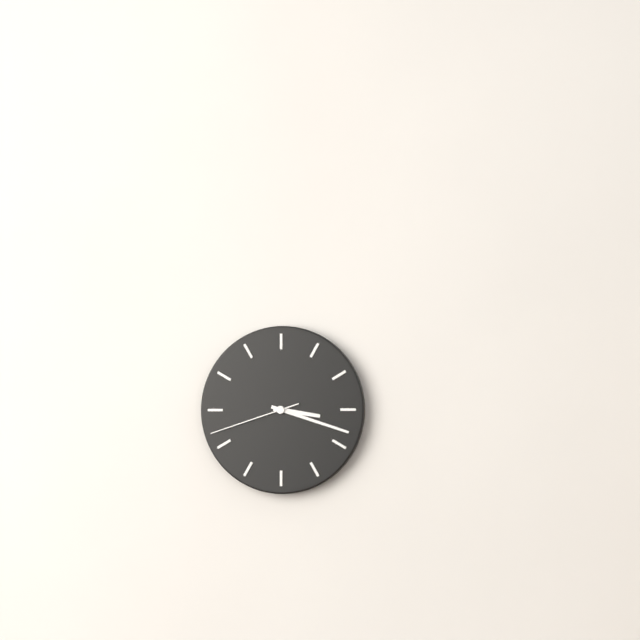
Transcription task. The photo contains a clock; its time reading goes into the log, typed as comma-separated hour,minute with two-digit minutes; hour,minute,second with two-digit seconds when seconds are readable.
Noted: 3,18,42
